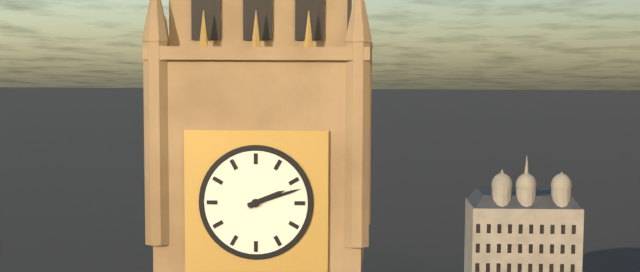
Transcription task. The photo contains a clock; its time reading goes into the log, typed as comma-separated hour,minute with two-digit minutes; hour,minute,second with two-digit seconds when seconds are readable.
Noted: 2,12
